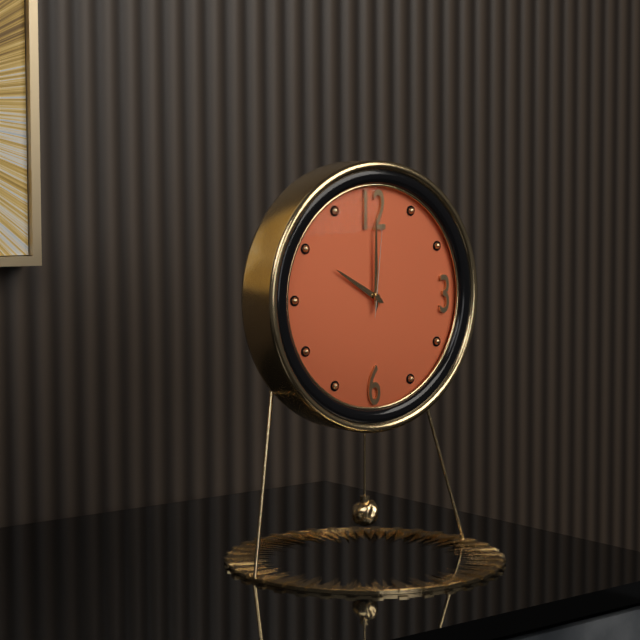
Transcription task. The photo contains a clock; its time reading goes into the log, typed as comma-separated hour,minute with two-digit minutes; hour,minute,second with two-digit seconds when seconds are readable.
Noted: 10,00,01
